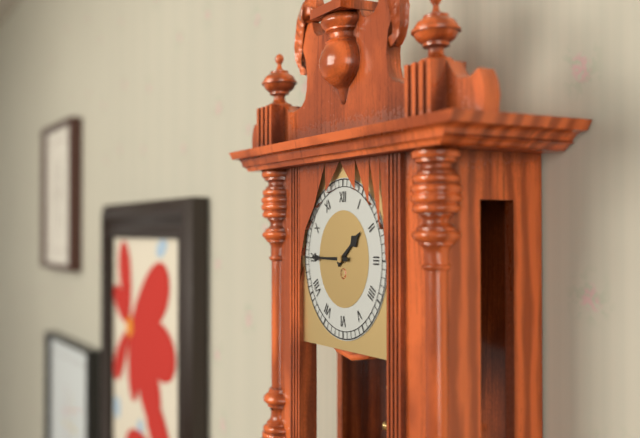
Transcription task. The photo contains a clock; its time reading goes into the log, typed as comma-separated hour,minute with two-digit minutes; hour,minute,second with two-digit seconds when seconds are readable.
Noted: 1,45
